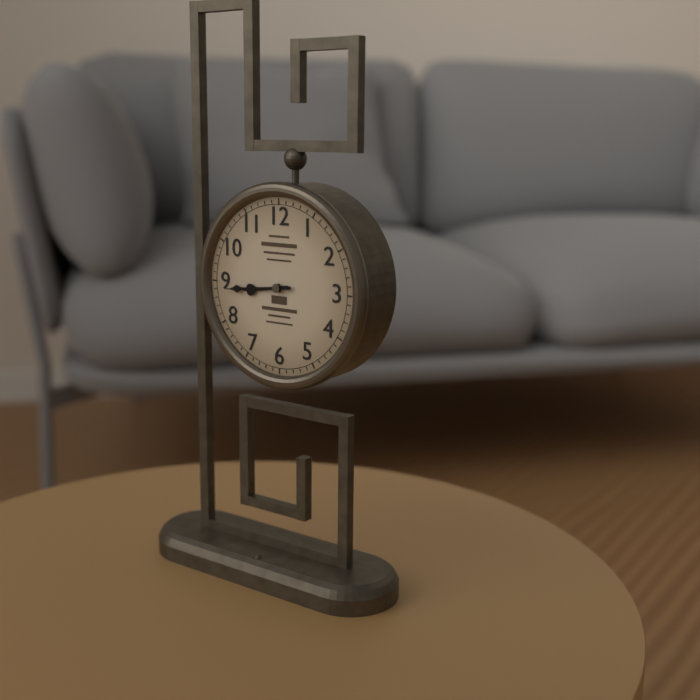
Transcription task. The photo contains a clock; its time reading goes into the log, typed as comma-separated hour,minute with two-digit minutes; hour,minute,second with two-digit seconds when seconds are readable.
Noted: 8,44
